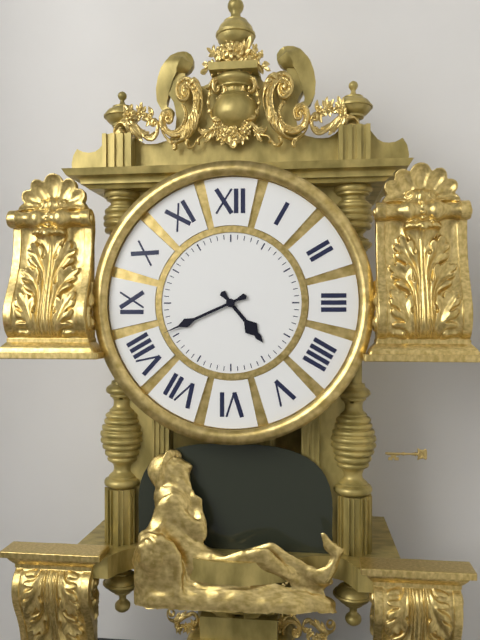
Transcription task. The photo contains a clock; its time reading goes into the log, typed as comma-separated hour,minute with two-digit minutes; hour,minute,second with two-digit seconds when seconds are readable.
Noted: 4,41
